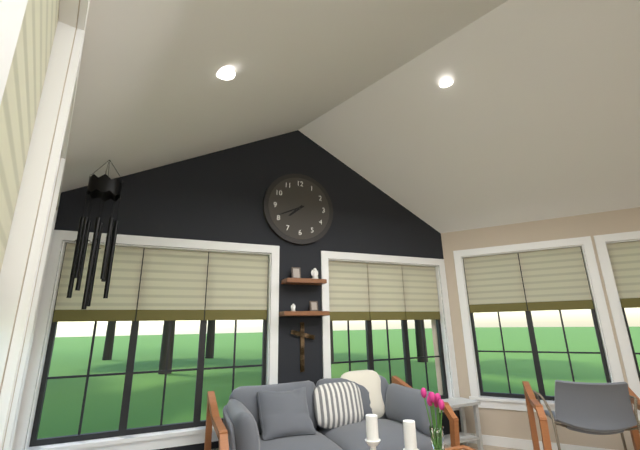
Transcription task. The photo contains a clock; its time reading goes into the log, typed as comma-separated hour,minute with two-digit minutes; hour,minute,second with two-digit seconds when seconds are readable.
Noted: 7,41
